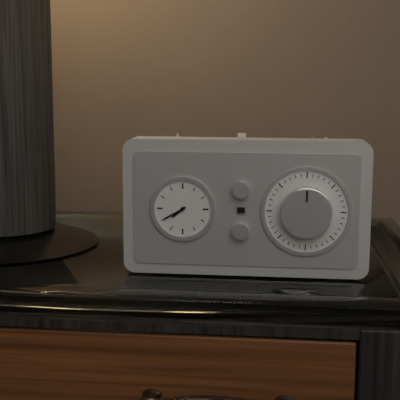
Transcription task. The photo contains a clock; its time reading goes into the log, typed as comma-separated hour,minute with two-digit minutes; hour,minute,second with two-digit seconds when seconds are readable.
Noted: 7,40
